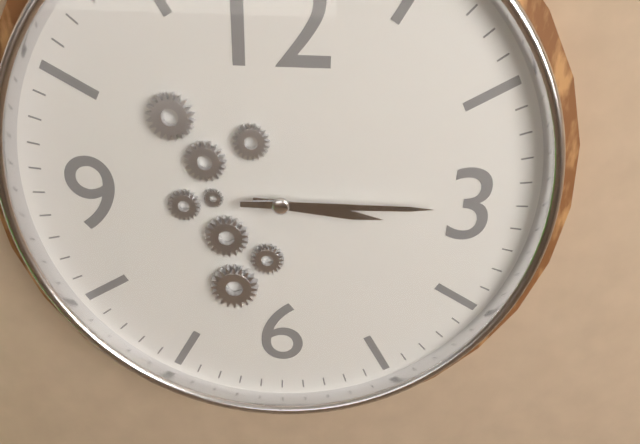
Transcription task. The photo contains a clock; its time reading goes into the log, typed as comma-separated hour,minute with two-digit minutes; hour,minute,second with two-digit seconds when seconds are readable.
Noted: 3,15
